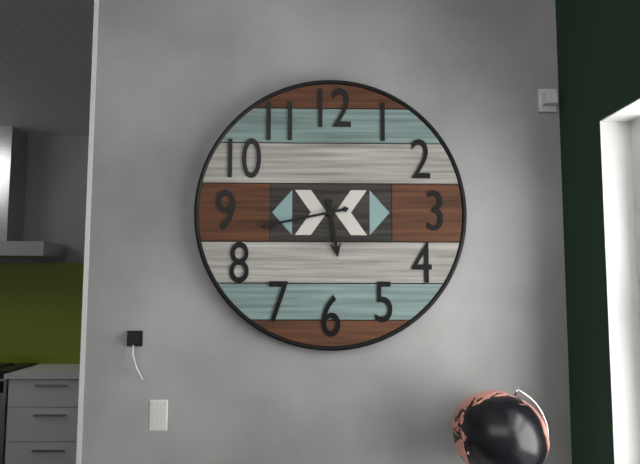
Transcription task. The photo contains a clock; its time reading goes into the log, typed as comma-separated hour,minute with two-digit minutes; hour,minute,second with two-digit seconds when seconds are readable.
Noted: 5,43
